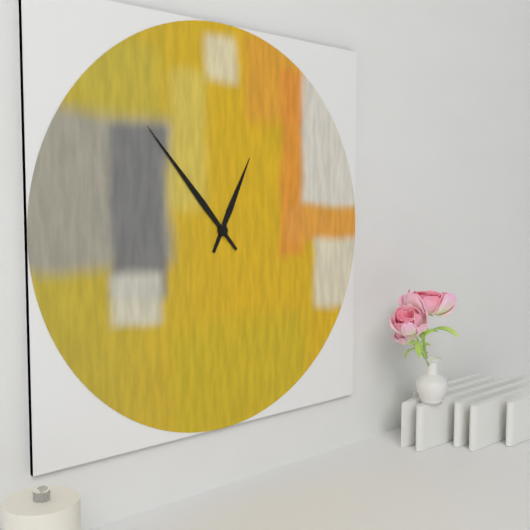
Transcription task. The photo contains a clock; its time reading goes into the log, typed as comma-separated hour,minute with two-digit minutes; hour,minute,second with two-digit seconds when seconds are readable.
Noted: 12,53
